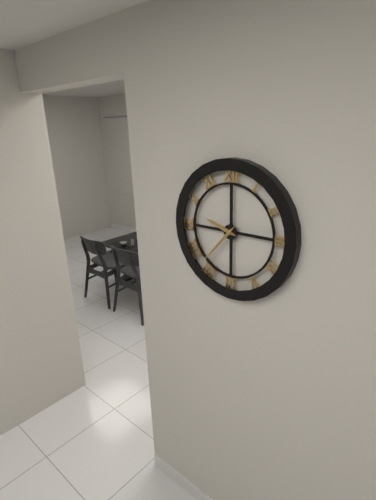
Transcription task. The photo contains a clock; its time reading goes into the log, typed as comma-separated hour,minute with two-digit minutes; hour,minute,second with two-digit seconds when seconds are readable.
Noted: 9,37
